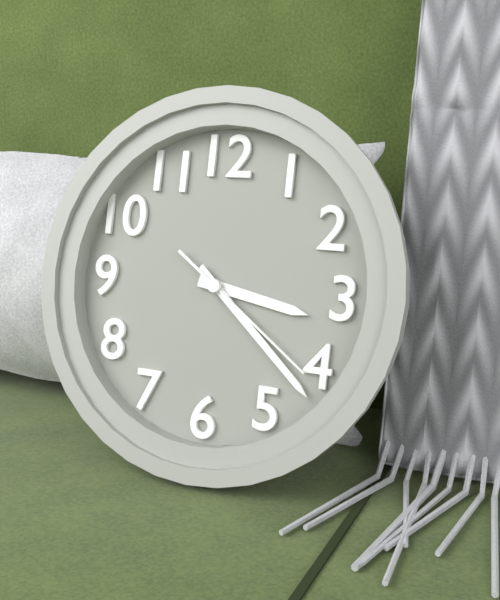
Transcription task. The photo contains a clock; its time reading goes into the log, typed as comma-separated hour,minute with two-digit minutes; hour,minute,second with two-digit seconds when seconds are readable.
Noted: 3,22,21
